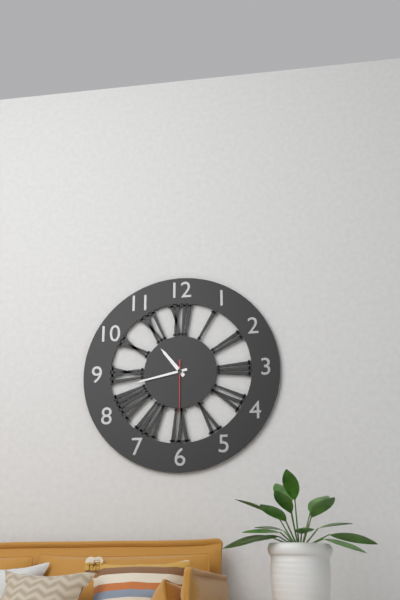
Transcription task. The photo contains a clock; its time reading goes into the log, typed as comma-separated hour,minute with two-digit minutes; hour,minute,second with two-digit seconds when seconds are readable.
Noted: 10,43,30
